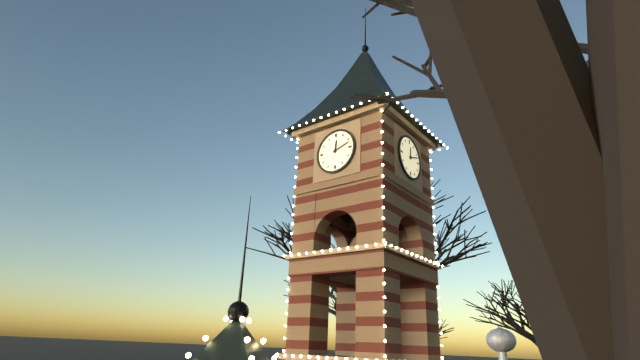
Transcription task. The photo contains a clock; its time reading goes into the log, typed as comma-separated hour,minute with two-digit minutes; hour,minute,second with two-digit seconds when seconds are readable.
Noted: 12,12
